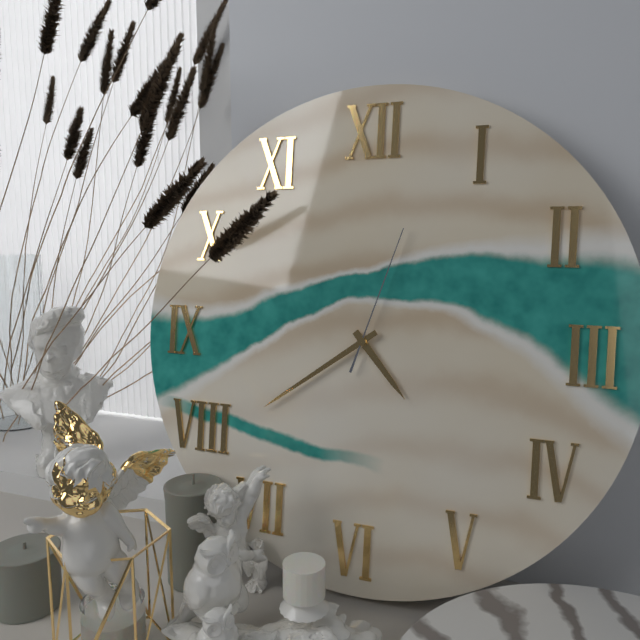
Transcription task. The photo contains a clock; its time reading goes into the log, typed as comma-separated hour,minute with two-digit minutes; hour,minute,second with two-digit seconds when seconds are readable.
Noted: 4,39,03
